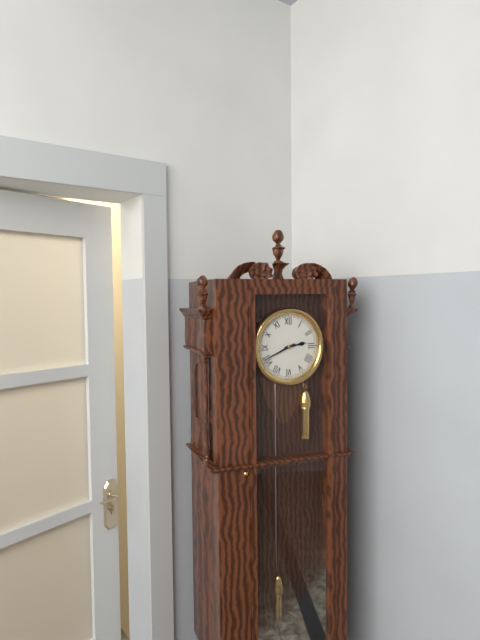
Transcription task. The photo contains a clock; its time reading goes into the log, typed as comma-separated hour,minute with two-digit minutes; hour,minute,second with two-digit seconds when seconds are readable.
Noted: 2,41
